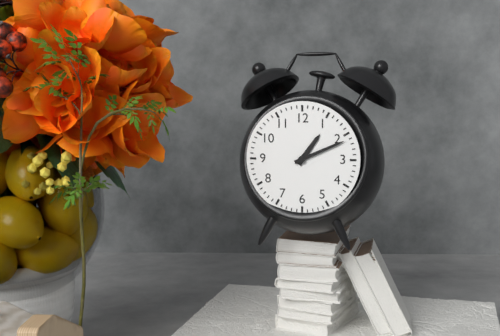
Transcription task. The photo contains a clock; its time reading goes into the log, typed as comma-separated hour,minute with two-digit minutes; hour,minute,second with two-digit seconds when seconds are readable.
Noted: 1,11
